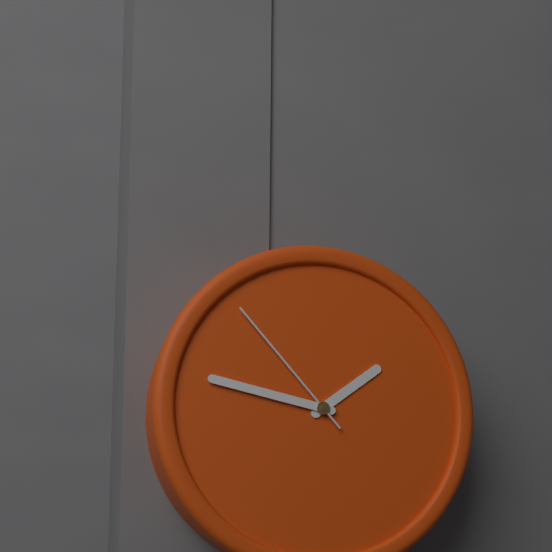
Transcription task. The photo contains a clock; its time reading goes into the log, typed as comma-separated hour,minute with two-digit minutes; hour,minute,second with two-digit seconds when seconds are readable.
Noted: 1,47,53
